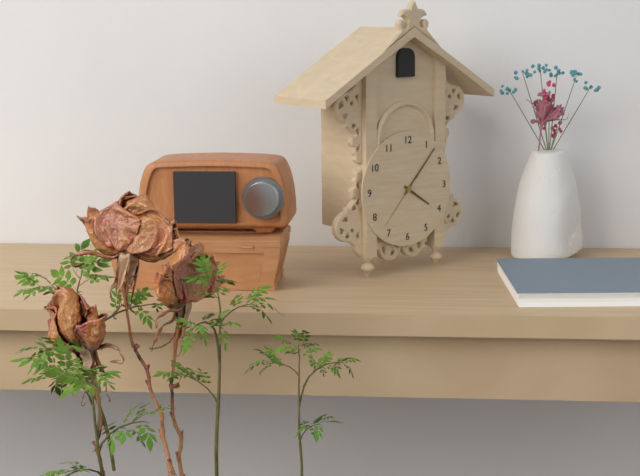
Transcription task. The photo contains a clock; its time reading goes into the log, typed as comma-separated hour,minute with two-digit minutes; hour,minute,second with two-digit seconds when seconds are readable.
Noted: 4,07,37
